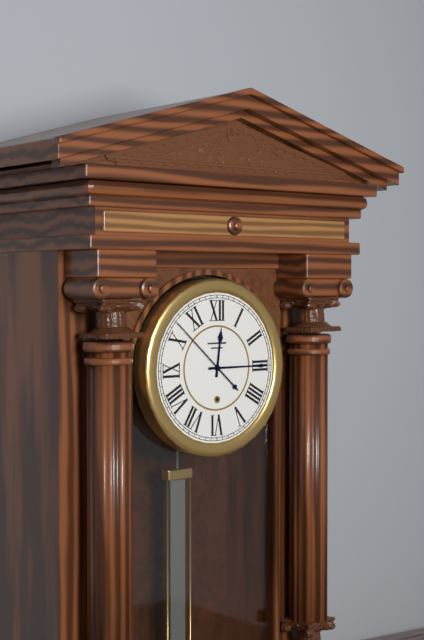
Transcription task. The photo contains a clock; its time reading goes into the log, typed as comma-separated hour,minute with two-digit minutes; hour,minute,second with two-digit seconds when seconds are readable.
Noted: 12,15,52
